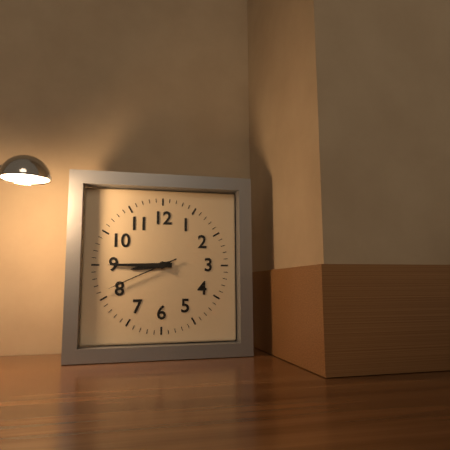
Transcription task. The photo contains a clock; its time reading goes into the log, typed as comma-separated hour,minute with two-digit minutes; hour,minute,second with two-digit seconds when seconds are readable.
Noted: 8,45,41
